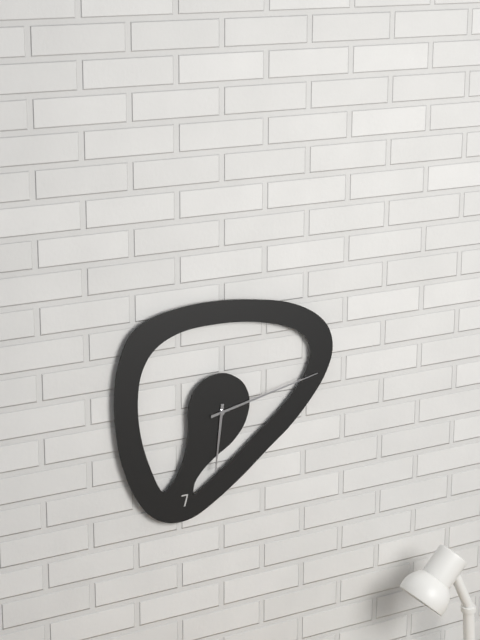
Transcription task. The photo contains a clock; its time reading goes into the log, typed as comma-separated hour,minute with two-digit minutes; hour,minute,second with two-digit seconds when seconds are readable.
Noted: 6,13
